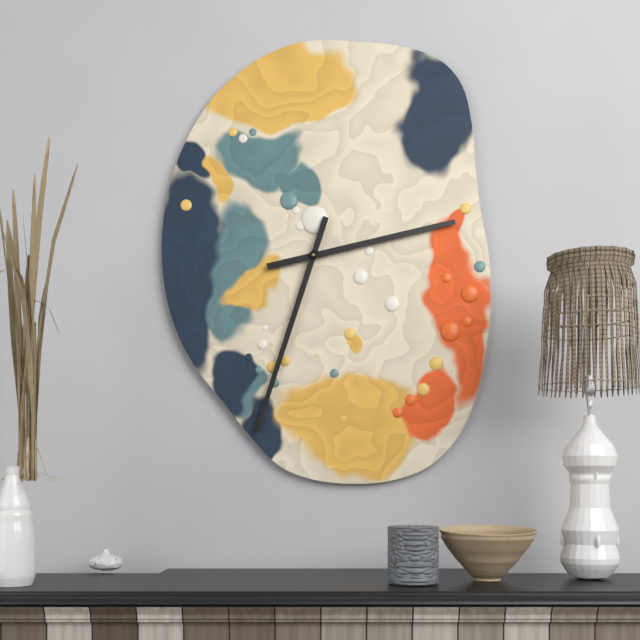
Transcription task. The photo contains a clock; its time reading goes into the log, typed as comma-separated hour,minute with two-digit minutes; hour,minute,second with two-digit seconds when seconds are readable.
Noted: 2,33
